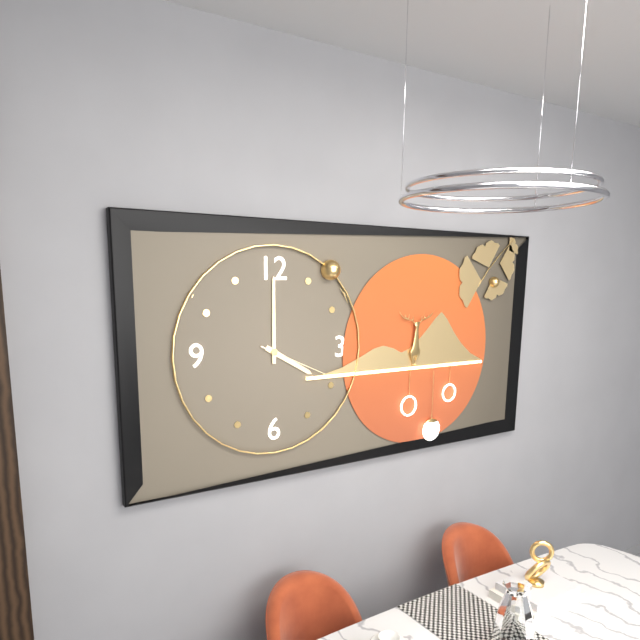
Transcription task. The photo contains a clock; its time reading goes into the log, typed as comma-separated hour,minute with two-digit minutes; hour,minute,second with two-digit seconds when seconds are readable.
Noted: 4,00,19
